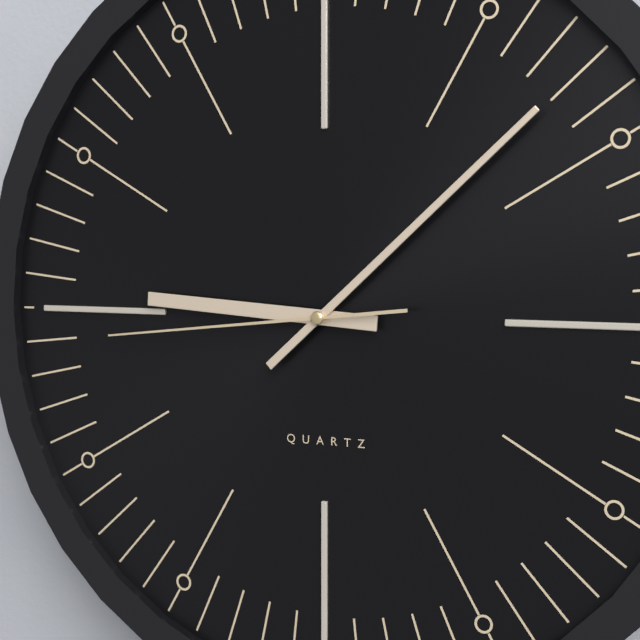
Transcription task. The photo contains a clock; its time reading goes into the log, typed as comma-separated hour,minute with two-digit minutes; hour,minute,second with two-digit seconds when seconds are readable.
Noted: 9,08,44
